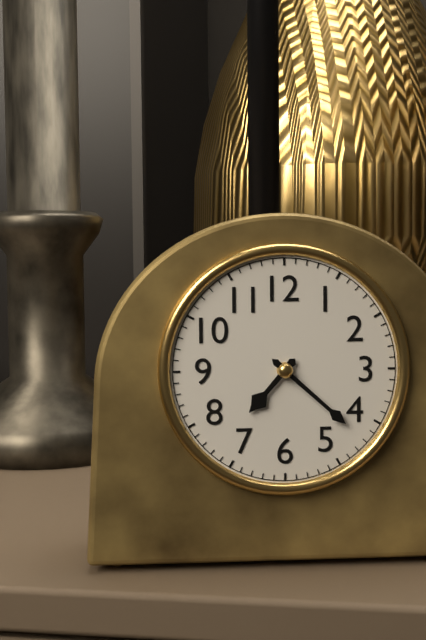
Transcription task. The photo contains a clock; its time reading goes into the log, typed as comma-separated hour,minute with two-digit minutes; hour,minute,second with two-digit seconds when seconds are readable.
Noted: 7,22
